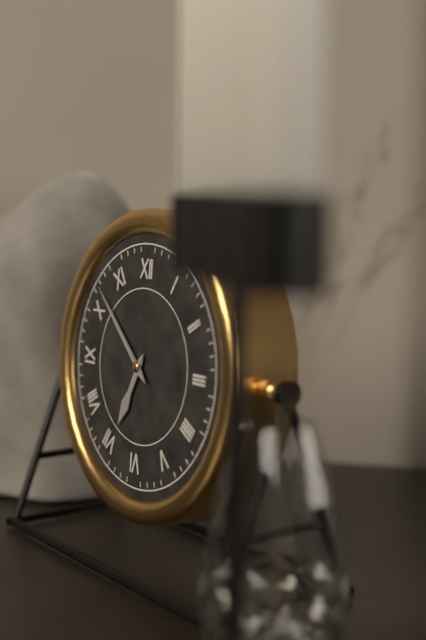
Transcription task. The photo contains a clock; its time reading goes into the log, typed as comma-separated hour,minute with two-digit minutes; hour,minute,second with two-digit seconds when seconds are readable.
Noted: 6,52
